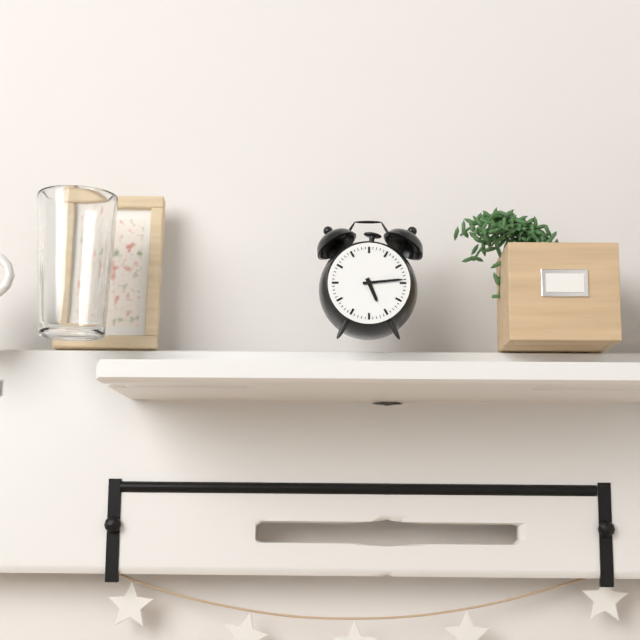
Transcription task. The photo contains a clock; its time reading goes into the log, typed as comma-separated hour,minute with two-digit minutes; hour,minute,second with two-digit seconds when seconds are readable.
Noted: 5,14
